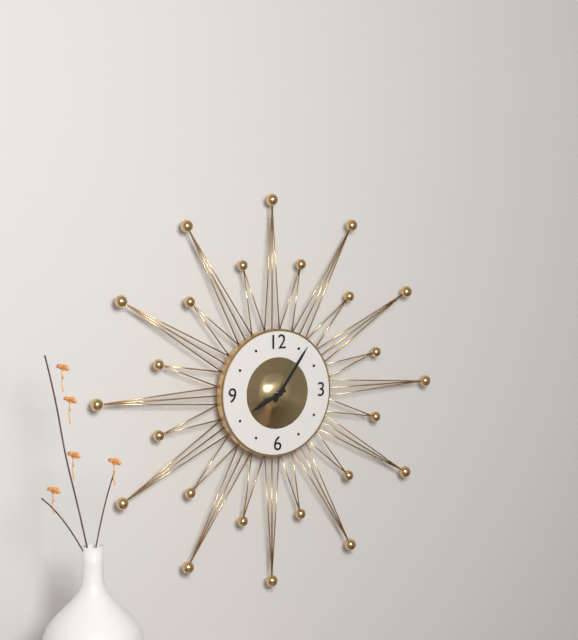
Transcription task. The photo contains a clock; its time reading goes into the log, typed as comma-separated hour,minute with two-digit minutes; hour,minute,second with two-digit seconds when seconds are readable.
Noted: 8,06
